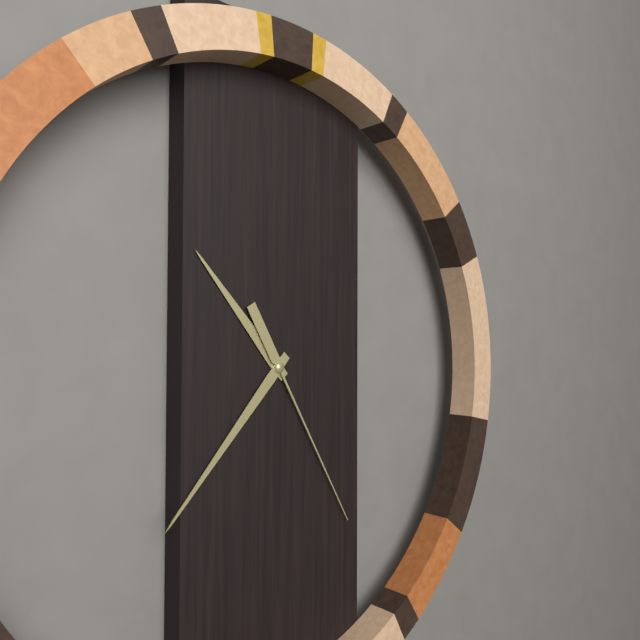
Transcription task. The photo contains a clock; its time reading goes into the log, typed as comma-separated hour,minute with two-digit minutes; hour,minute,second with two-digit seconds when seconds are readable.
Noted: 10,37,25
